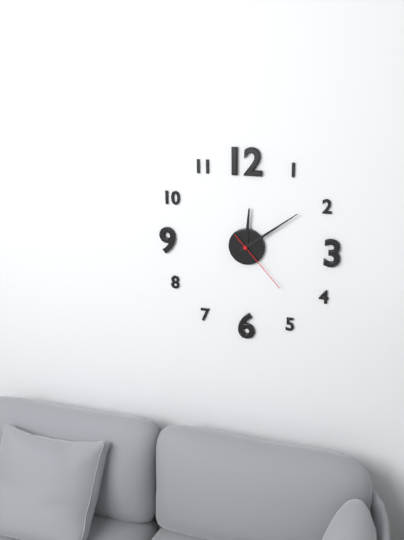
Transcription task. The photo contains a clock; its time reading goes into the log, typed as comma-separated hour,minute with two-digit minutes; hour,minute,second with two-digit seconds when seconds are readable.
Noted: 12,09,23
